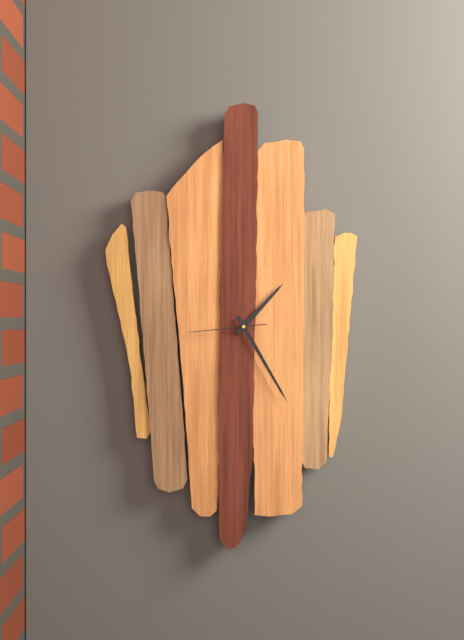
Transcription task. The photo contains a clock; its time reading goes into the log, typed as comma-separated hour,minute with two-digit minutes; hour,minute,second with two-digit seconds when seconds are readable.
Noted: 1,25,44
